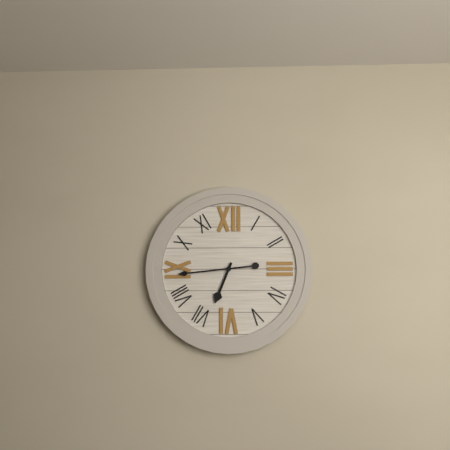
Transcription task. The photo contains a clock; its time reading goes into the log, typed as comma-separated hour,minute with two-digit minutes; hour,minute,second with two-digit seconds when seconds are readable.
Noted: 6,44
